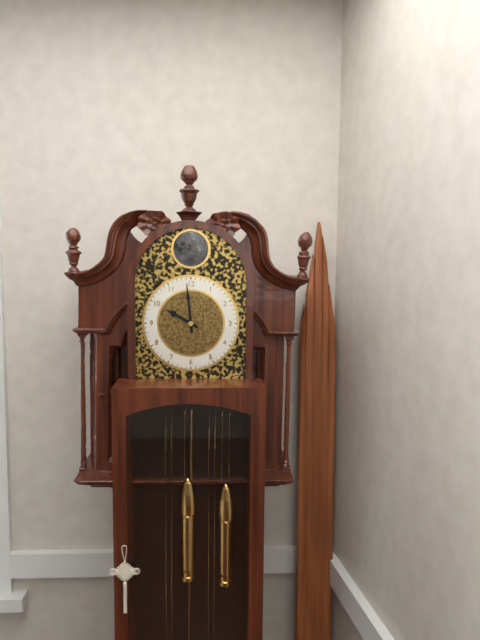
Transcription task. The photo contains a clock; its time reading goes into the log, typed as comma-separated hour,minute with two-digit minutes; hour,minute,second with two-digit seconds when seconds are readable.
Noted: 9,59
